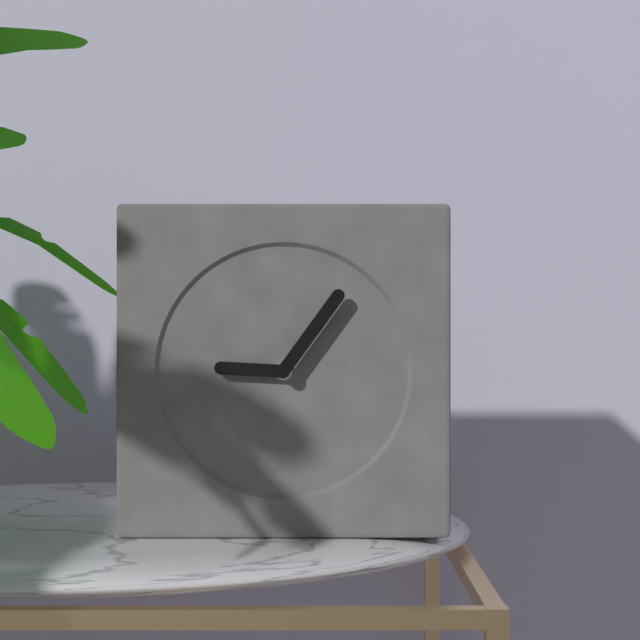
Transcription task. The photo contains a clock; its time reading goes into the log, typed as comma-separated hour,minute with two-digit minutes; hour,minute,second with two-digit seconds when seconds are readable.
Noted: 9,06
